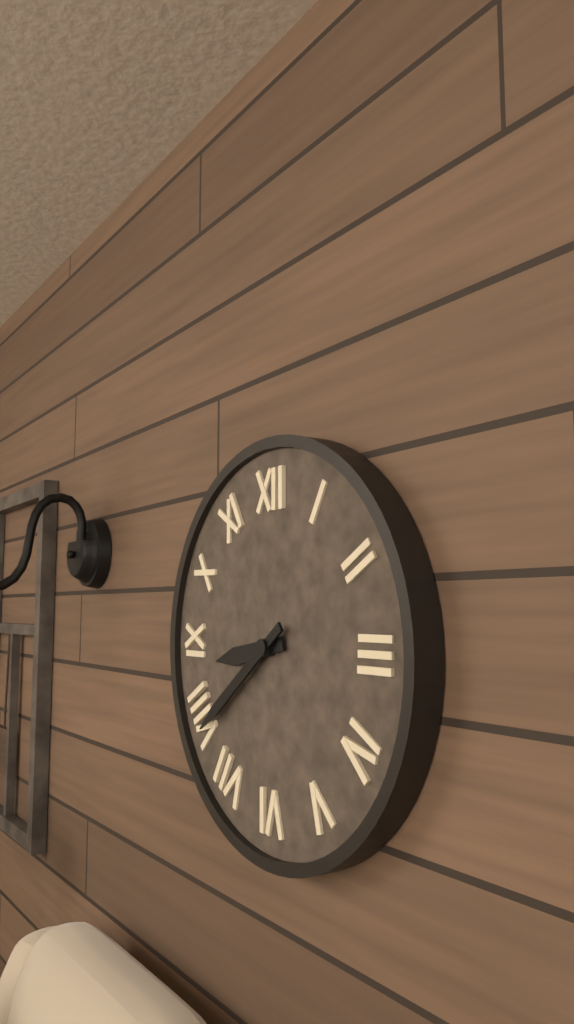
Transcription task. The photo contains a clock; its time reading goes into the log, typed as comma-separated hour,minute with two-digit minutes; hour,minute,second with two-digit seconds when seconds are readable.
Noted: 8,39
